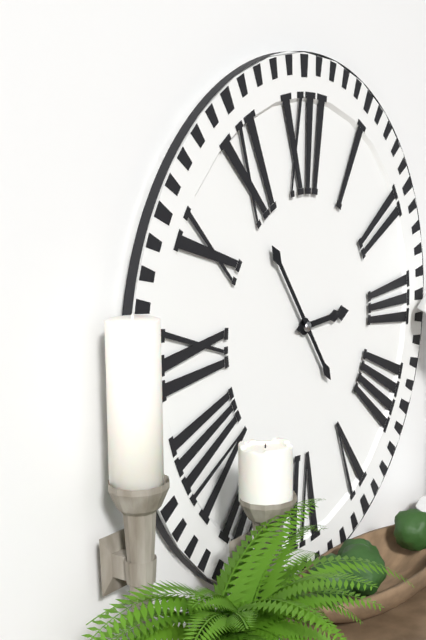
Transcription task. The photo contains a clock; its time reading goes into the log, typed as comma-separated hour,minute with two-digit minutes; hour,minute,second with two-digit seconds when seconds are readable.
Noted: 2,54
